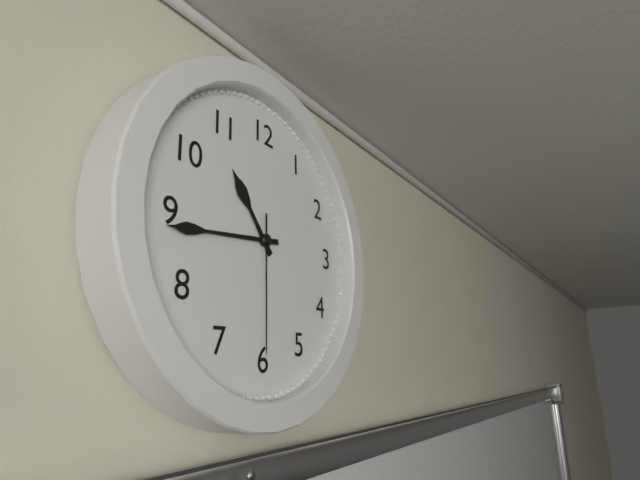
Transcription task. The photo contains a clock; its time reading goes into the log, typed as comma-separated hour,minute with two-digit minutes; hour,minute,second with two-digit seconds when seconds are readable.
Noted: 10,44,30
